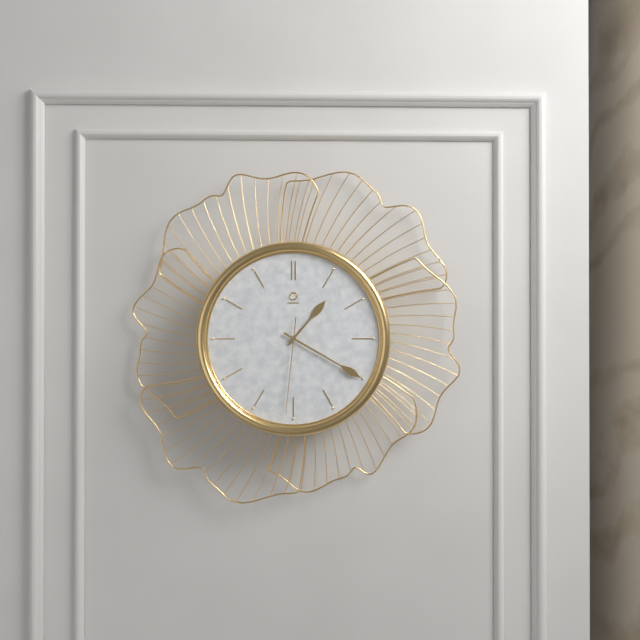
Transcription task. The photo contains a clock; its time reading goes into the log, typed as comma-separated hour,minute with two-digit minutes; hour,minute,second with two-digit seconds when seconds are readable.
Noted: 1,20,31
